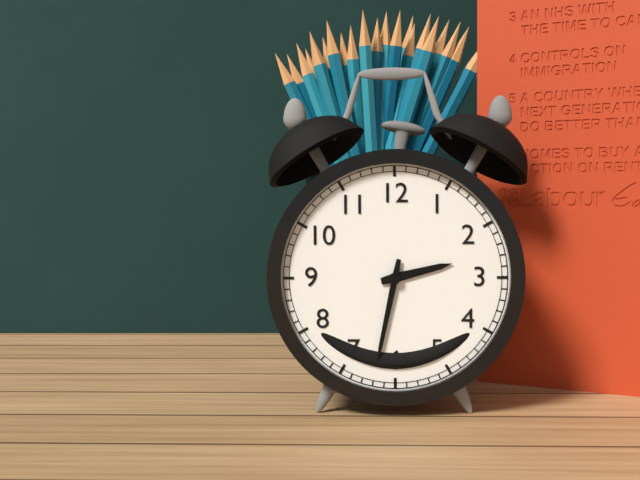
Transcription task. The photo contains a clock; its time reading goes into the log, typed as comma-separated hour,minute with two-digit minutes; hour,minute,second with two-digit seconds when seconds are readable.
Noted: 2,32
